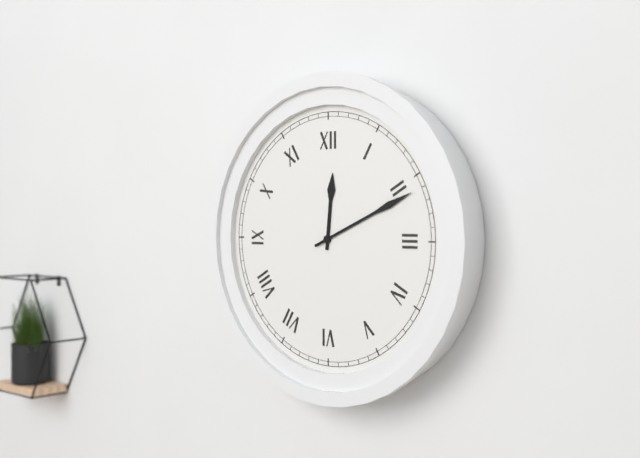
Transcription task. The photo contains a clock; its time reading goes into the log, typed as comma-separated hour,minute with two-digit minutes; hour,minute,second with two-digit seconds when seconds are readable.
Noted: 12,11
